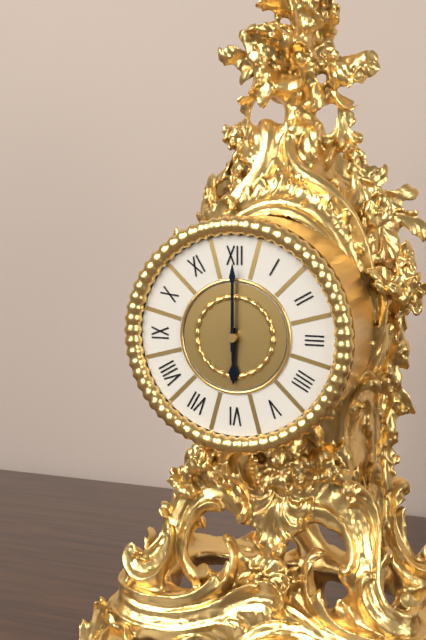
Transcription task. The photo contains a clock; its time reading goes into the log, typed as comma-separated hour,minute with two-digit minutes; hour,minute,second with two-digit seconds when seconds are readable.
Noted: 6,00
